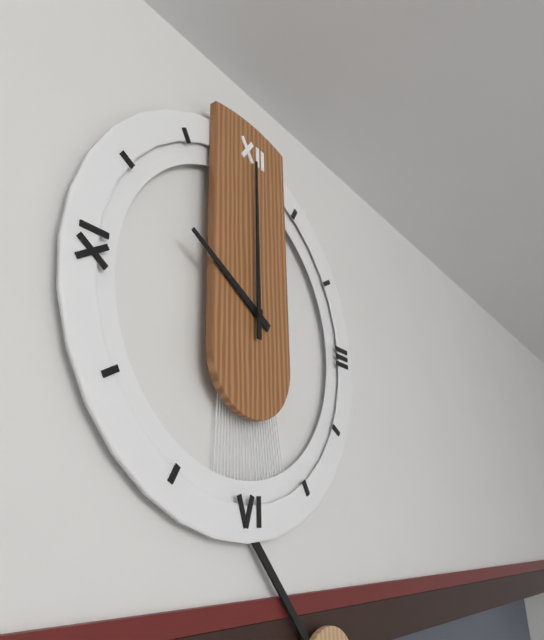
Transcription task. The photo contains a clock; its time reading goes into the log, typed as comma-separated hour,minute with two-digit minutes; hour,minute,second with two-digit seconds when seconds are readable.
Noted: 10,00
